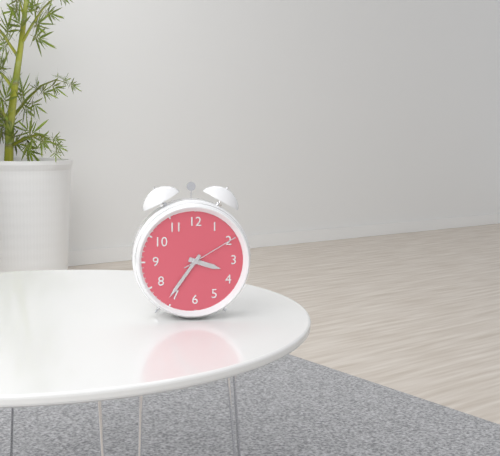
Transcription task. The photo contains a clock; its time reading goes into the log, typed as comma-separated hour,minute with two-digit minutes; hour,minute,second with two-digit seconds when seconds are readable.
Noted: 3,36,10
